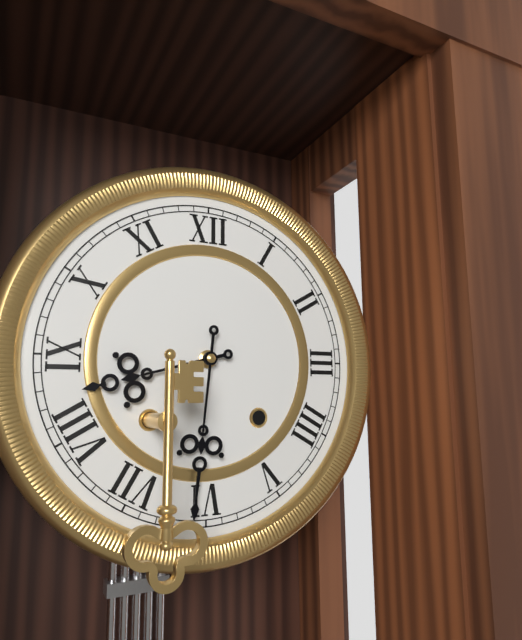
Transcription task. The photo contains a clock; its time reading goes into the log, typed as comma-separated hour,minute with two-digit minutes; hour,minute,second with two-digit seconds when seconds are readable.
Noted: 8,31
